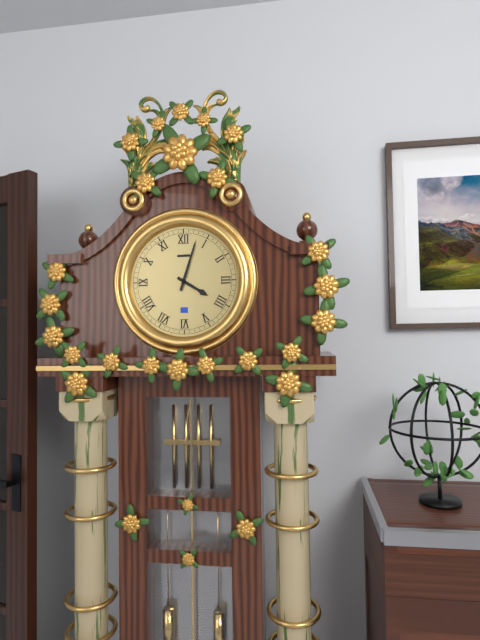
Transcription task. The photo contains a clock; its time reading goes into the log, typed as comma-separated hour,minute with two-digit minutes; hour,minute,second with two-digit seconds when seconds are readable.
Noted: 4,03
